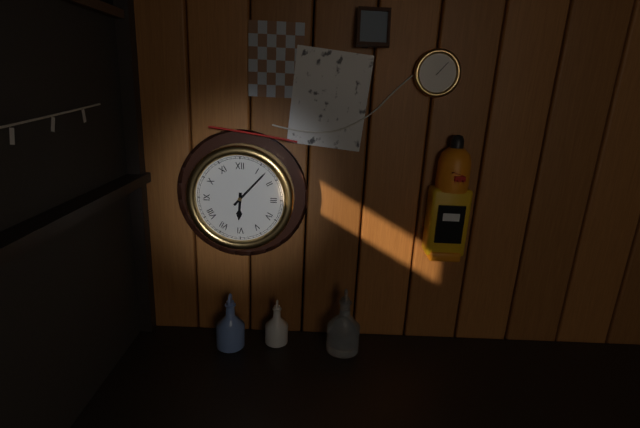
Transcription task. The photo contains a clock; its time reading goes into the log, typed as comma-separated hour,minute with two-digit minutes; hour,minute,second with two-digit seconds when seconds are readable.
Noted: 6,07
